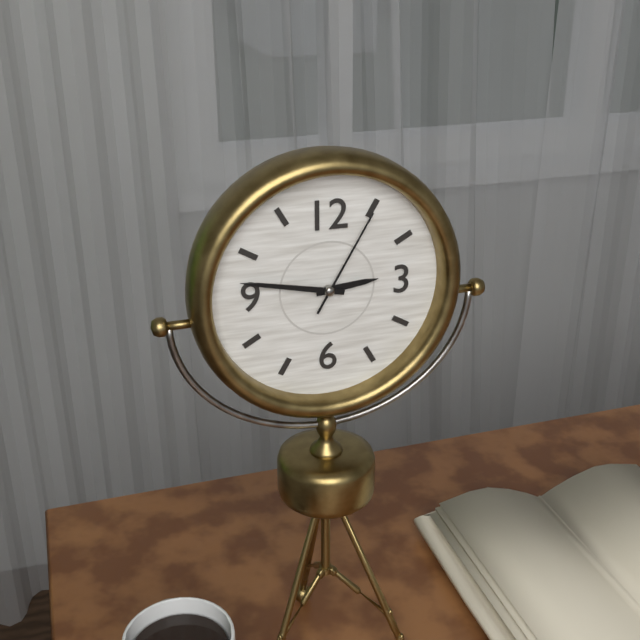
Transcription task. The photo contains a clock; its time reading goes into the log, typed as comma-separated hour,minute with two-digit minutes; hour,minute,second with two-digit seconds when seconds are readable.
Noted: 2,47,05
